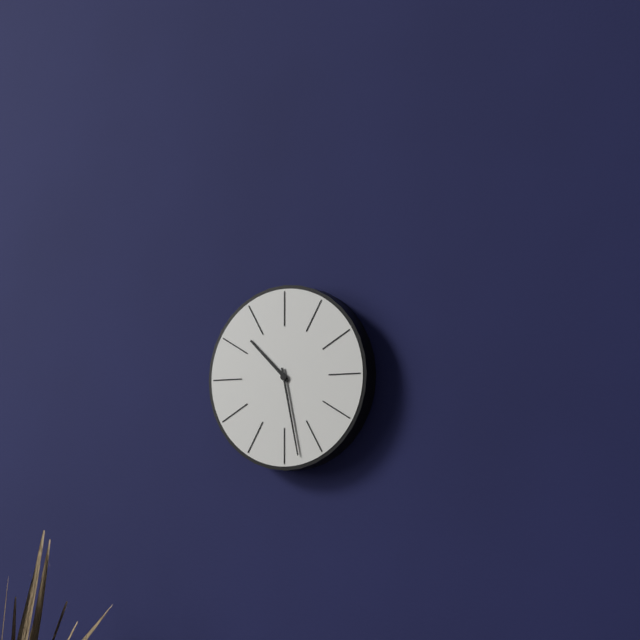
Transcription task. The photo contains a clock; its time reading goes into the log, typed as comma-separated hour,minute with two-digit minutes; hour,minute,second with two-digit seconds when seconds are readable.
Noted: 10,28
